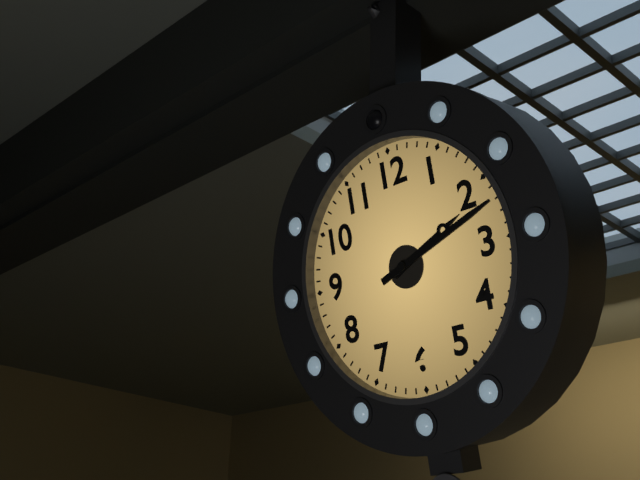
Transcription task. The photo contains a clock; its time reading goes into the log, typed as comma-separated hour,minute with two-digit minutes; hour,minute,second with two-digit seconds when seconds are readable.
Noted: 2,12
